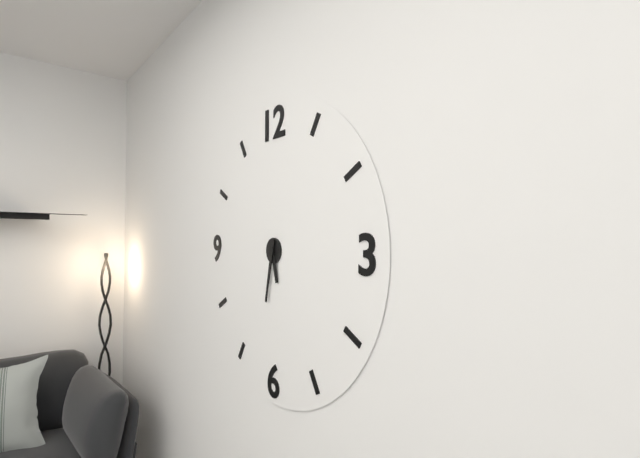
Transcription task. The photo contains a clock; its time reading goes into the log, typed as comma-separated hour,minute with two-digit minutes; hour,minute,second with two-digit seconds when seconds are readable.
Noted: 5,32
